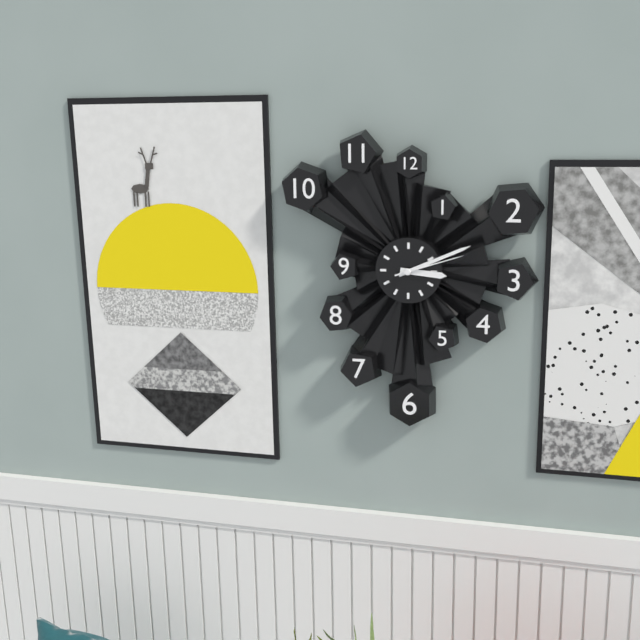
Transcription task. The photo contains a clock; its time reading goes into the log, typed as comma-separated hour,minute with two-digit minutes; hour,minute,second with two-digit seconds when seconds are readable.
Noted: 3,11,12
